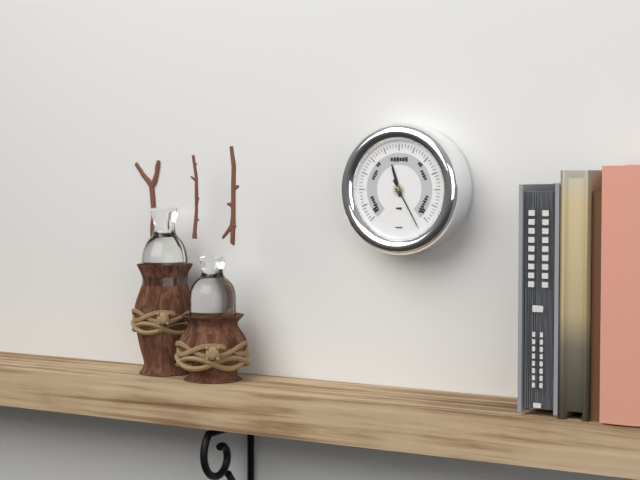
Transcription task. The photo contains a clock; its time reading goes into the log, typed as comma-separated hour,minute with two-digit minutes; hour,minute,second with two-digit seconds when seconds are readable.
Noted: 11,25
